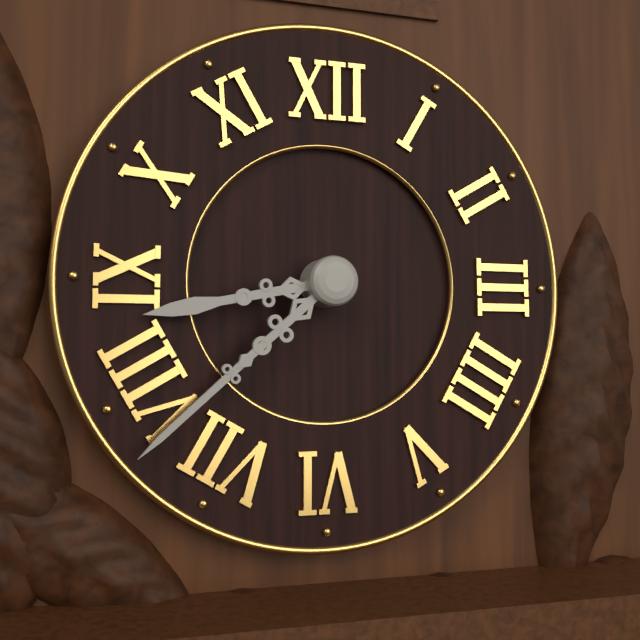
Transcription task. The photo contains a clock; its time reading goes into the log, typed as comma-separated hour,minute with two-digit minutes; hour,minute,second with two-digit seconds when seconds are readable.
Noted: 8,38
